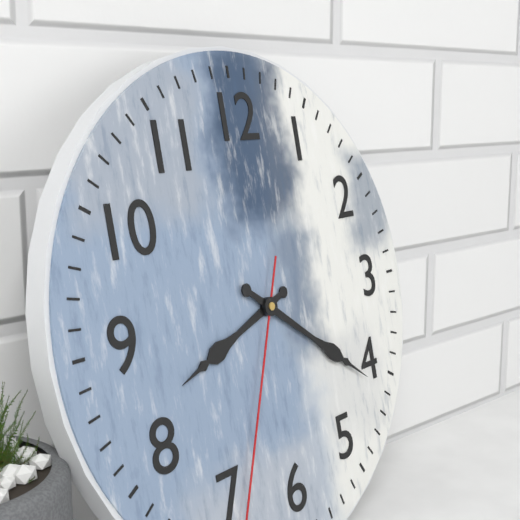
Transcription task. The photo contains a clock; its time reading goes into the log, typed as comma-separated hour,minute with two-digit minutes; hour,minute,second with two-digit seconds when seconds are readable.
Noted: 8,21
